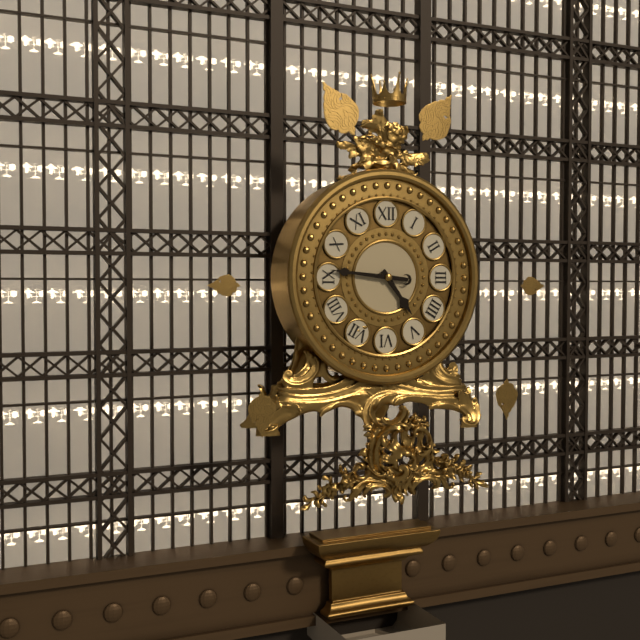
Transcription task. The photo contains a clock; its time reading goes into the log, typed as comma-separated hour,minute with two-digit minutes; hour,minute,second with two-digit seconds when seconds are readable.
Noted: 4,46
